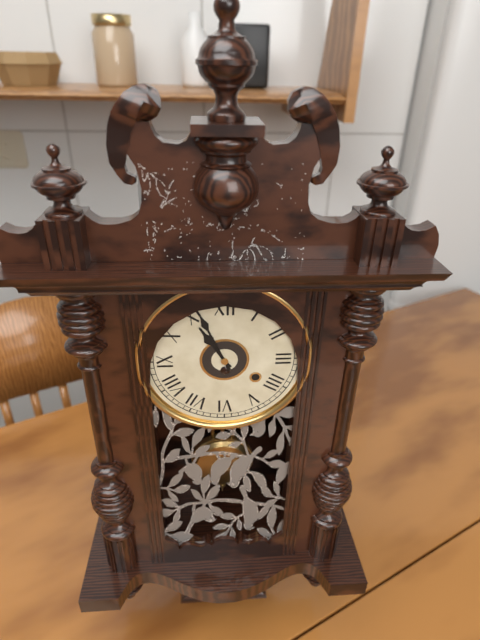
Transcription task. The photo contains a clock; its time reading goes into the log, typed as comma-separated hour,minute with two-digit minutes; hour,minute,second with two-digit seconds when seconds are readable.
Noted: 10,56
